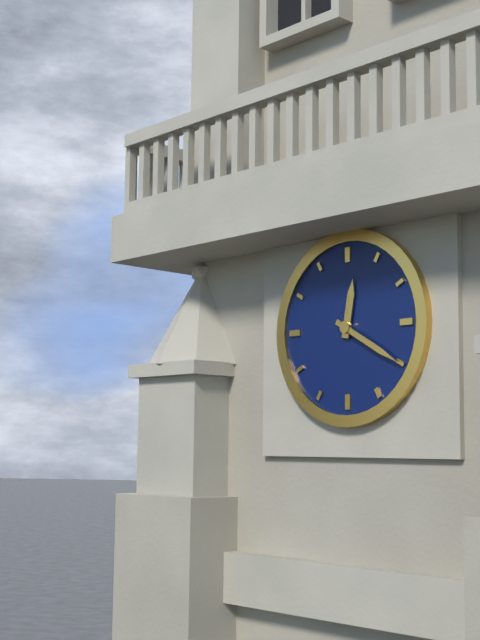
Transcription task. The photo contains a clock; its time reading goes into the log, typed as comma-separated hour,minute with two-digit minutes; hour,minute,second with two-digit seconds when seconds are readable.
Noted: 12,20
